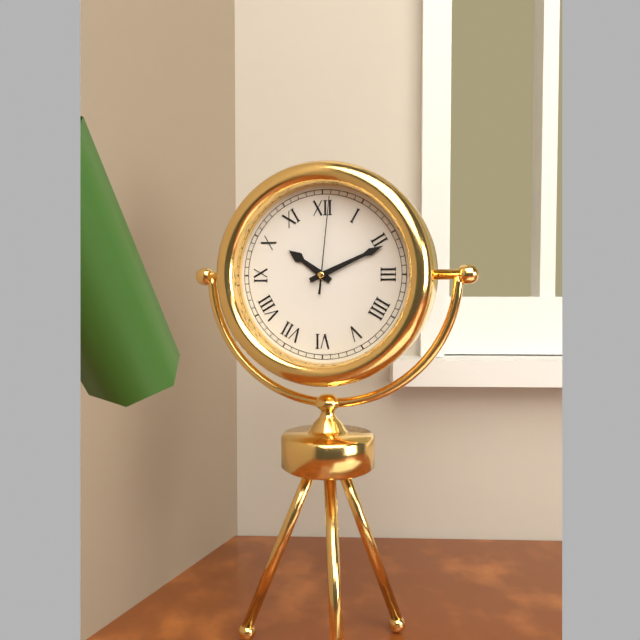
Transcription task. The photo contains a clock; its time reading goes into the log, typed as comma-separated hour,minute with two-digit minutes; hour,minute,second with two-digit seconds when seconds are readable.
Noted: 10,11,01
